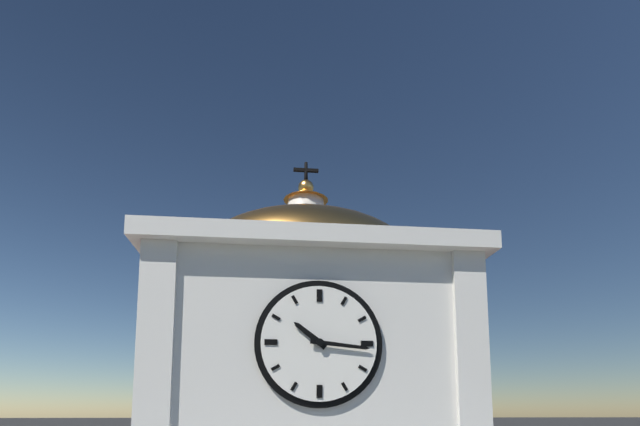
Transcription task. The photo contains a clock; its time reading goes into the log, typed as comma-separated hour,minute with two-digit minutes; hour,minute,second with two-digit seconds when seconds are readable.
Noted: 10,16
